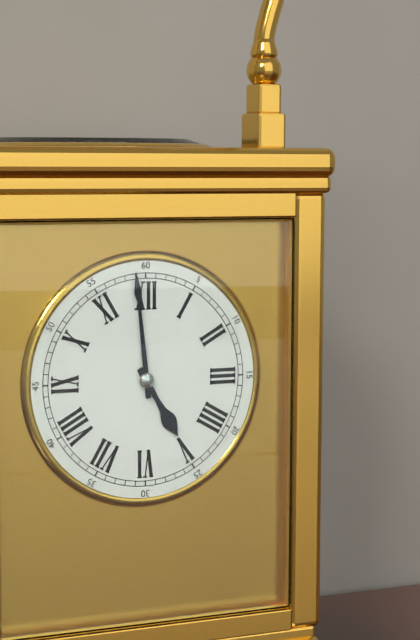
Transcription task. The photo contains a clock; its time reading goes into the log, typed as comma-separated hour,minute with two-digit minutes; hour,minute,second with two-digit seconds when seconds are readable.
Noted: 4,59
